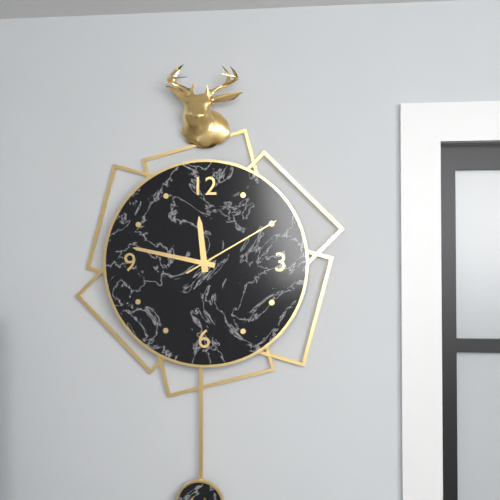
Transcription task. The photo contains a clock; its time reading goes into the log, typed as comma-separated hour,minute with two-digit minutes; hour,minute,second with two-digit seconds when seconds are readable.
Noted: 11,47,10
